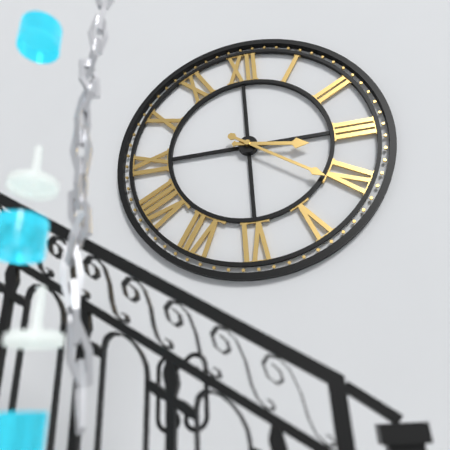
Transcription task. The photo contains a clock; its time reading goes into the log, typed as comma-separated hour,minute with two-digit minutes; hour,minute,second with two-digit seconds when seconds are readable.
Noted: 3,21
